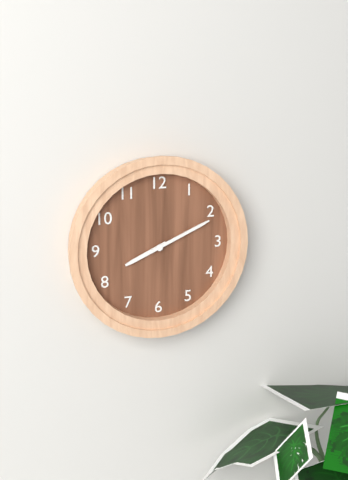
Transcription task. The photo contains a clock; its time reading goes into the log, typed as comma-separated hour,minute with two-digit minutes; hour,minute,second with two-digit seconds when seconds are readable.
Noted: 8,11
